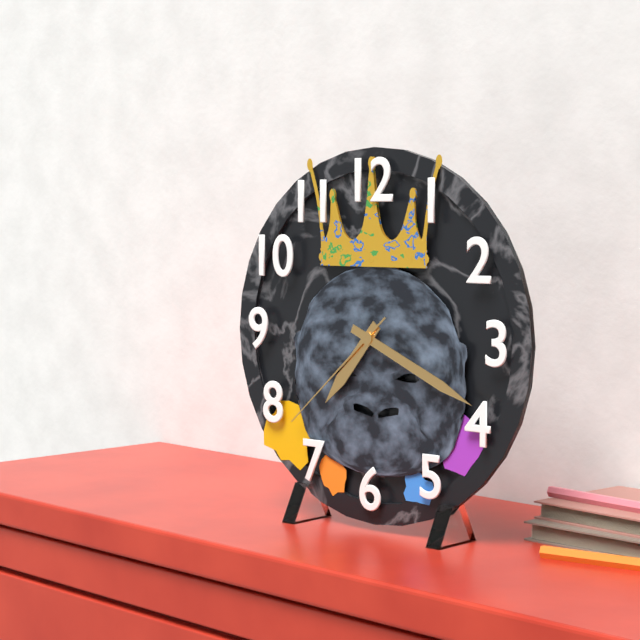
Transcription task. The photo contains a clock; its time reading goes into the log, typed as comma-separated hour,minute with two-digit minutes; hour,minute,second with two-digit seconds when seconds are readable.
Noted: 7,19,38
